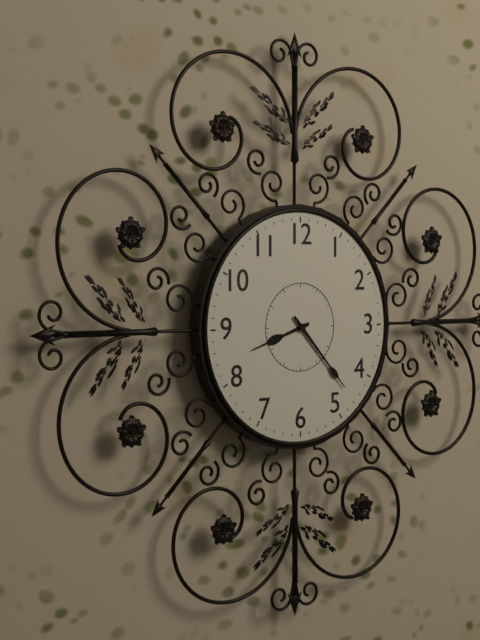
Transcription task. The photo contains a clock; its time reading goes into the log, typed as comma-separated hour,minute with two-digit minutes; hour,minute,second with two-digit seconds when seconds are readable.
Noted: 8,23
